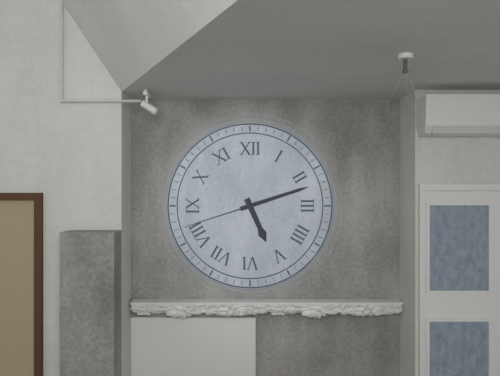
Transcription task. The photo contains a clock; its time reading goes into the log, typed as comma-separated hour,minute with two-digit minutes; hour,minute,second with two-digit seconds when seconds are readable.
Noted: 5,12,42
